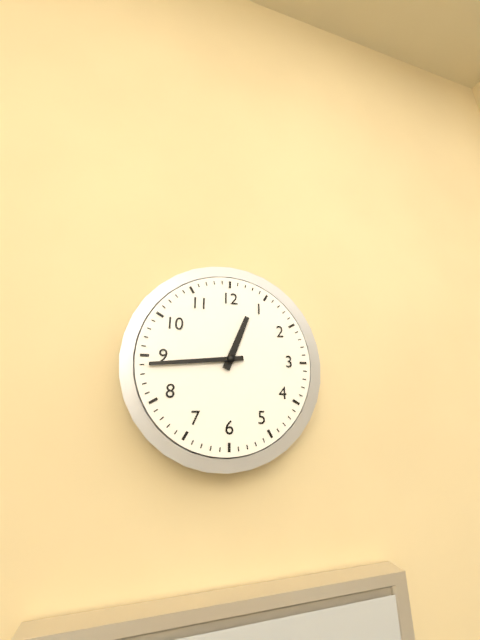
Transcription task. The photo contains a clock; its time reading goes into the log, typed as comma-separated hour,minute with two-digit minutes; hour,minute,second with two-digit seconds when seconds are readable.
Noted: 12,44
